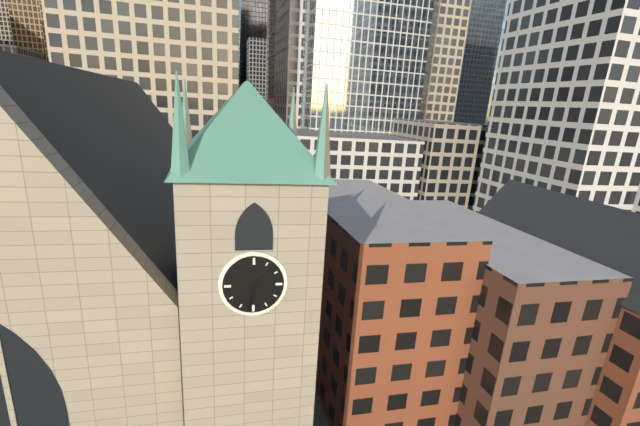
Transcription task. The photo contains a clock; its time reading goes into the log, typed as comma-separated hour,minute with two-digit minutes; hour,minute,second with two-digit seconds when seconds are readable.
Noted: 1,32
